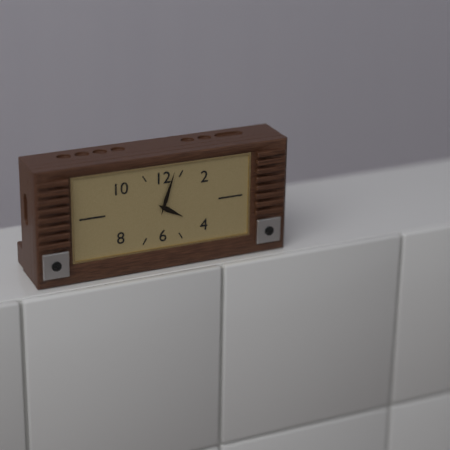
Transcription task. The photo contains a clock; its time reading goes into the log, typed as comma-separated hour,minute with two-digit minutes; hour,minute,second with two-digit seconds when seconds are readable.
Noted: 4,03
